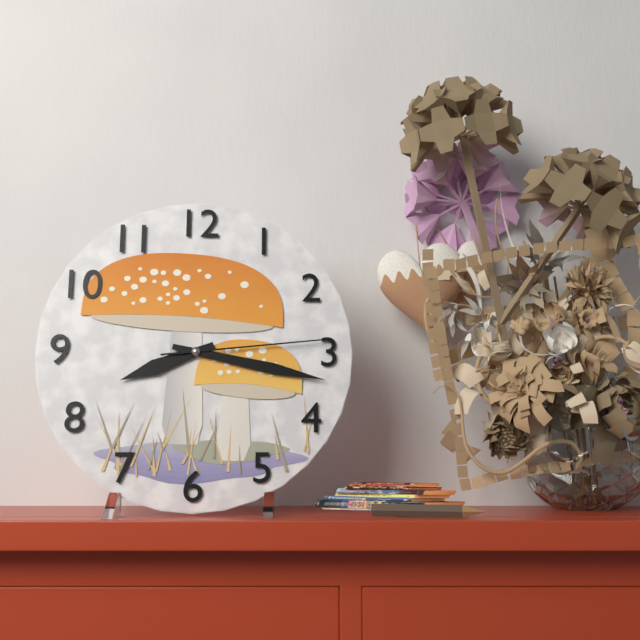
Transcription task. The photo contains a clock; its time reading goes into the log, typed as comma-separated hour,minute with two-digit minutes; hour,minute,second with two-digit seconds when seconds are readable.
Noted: 8,17,14
